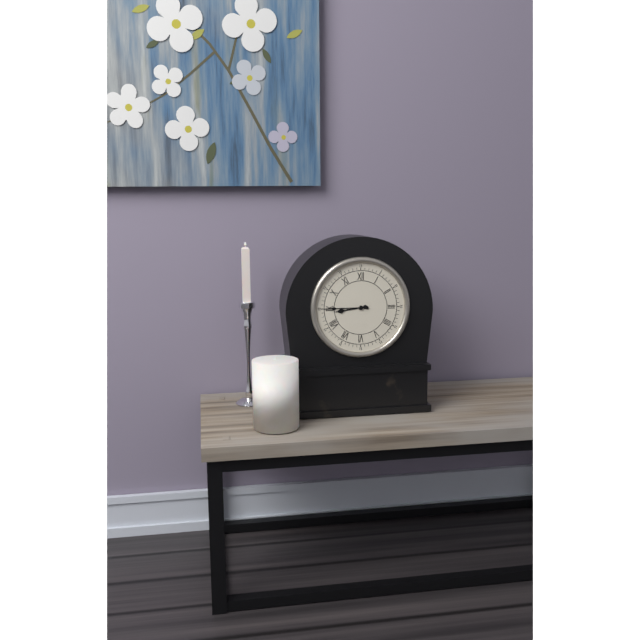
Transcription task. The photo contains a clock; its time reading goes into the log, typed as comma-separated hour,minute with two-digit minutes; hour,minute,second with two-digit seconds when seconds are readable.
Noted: 8,45
